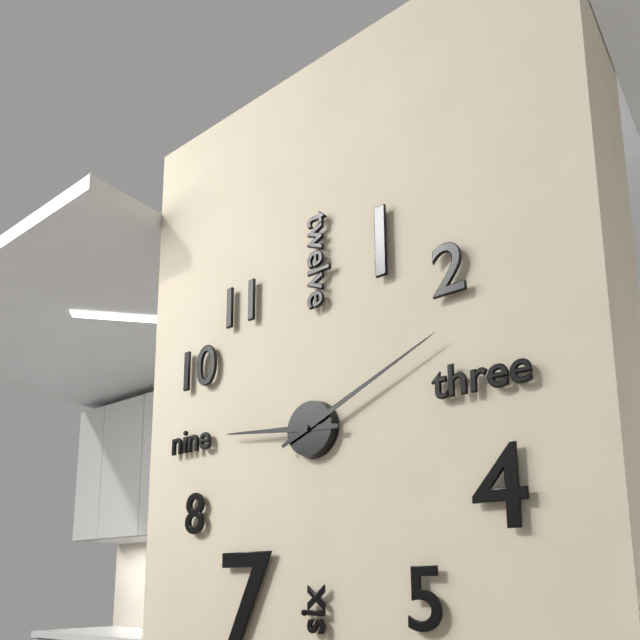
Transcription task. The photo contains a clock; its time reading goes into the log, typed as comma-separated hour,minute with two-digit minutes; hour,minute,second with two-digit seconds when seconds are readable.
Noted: 9,11
